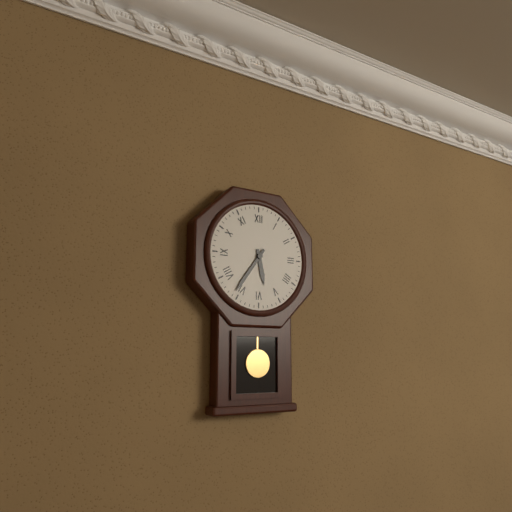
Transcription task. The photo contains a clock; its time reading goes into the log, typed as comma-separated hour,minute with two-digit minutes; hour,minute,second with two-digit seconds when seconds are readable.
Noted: 5,36
